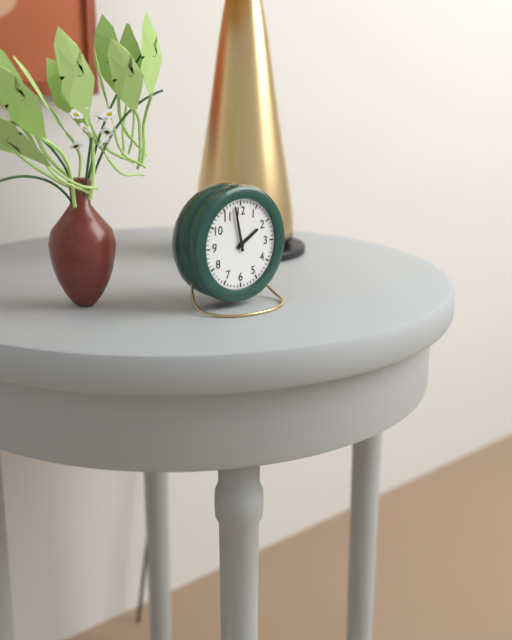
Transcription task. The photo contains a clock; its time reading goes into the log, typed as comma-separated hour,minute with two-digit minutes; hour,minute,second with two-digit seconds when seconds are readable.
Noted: 1,58
